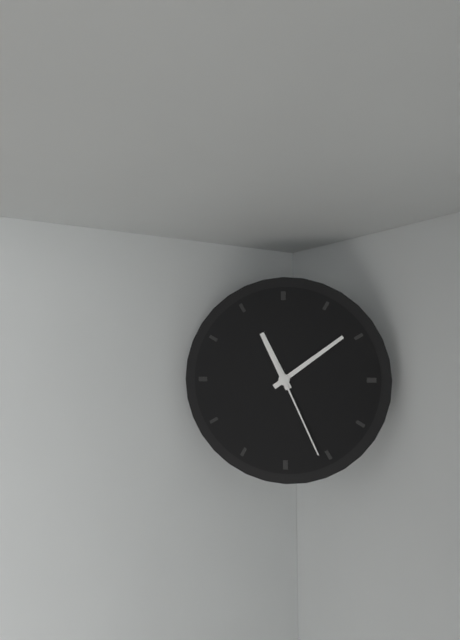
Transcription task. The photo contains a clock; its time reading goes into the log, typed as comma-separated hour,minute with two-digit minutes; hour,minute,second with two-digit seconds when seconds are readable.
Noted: 11,09,26
